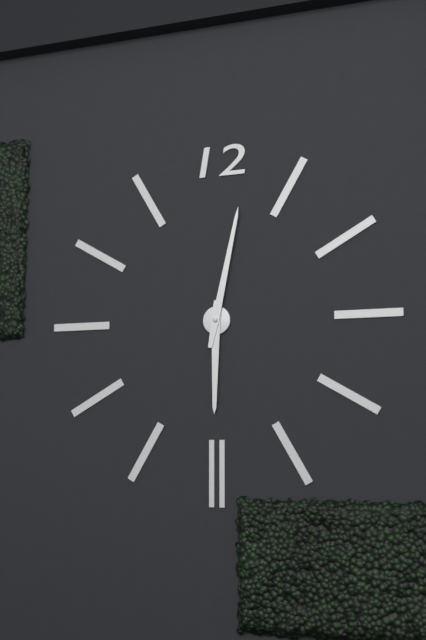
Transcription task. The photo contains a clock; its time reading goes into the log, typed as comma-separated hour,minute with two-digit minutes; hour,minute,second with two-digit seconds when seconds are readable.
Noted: 6,02
